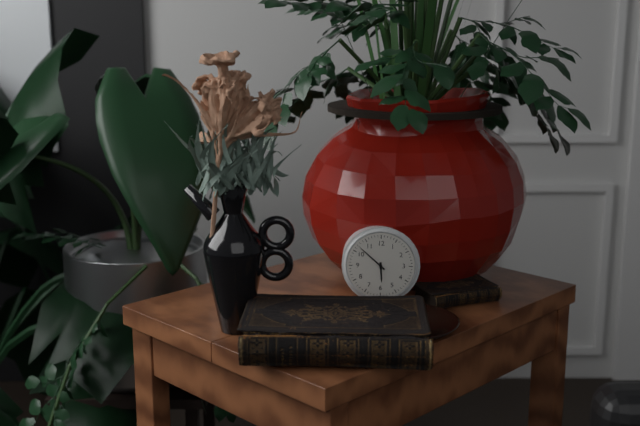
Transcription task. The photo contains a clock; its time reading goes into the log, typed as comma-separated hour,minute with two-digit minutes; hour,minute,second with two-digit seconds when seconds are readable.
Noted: 5,52
